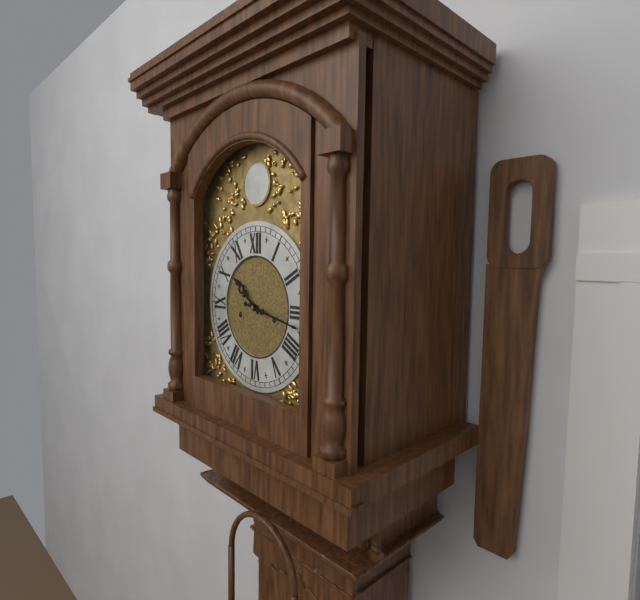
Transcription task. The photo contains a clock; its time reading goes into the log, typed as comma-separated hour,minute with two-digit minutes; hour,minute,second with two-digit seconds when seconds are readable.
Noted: 10,17
